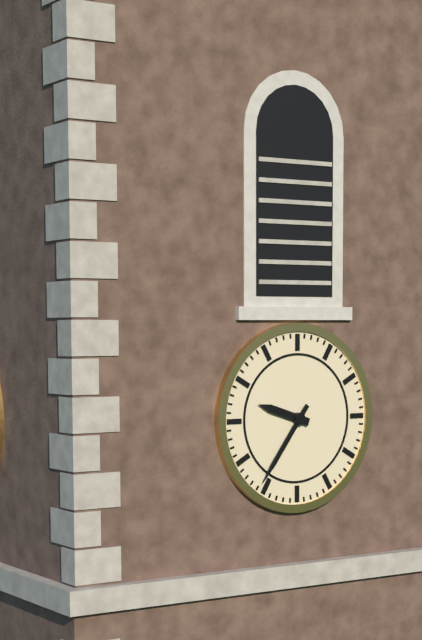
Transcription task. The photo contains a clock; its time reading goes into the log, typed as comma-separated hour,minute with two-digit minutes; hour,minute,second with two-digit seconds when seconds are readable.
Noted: 9,36
